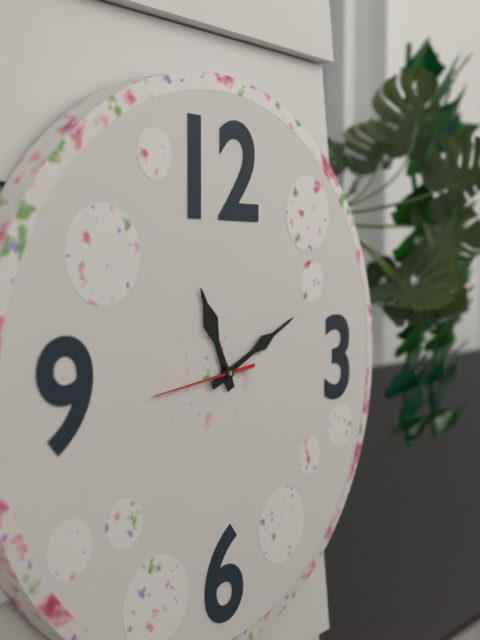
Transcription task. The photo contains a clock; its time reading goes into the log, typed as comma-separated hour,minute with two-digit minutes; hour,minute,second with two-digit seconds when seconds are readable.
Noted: 11,11,44
